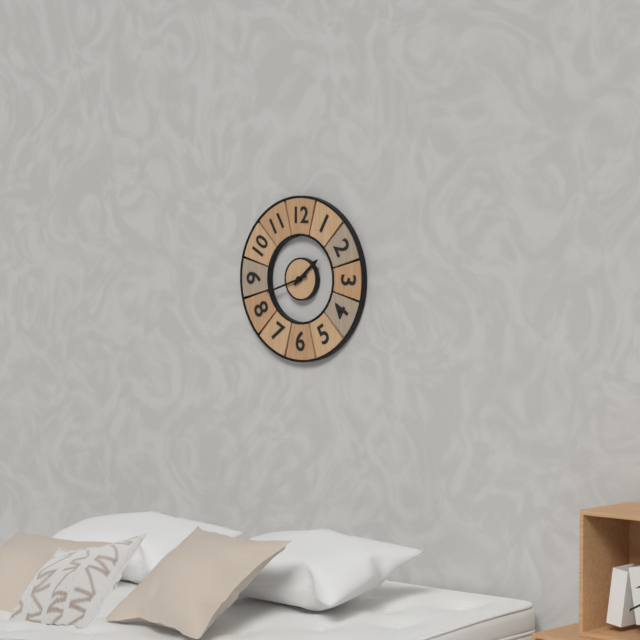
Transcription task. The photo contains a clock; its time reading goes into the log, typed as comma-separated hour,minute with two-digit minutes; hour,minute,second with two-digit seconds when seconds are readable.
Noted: 1,42
